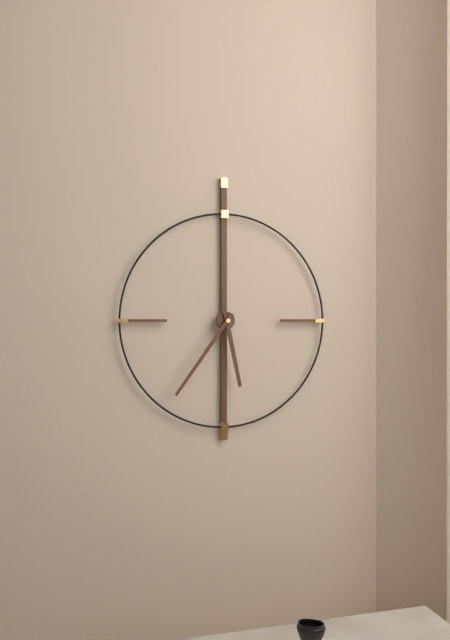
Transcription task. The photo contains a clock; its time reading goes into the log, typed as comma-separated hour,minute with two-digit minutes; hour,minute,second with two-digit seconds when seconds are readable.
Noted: 5,36
